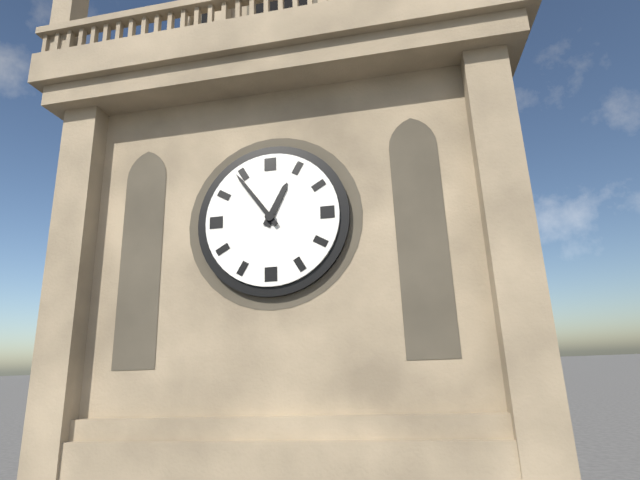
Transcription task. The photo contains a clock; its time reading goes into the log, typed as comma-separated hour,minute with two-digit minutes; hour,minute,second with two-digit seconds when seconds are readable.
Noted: 12,54
